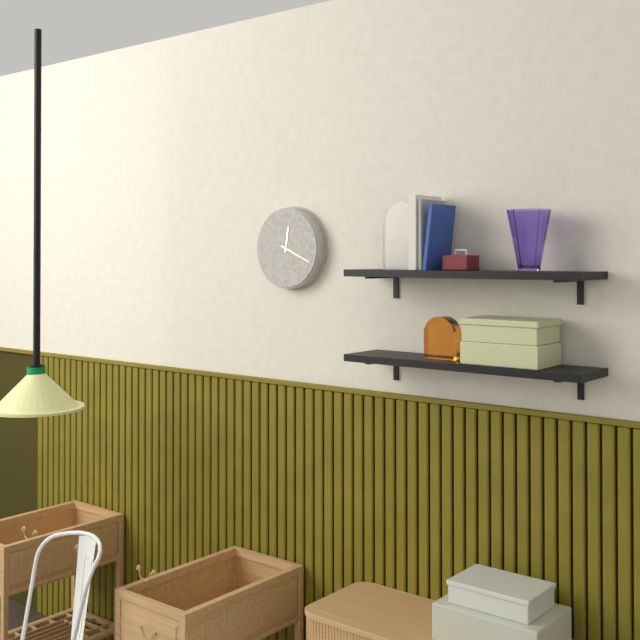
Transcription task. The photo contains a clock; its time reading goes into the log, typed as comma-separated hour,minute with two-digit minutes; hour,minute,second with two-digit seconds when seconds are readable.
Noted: 12,19
